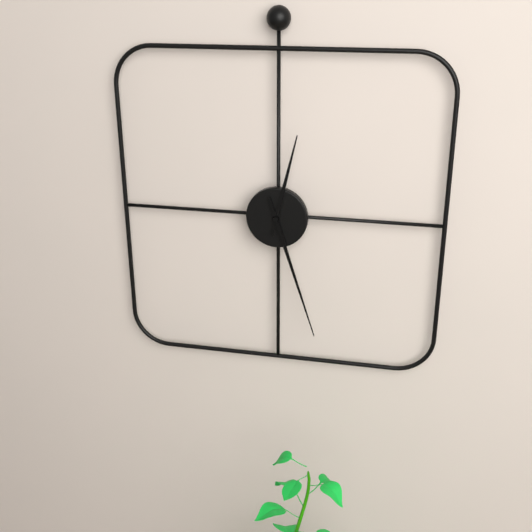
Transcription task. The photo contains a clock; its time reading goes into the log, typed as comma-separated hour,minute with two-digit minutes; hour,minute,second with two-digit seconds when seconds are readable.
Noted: 12,27
